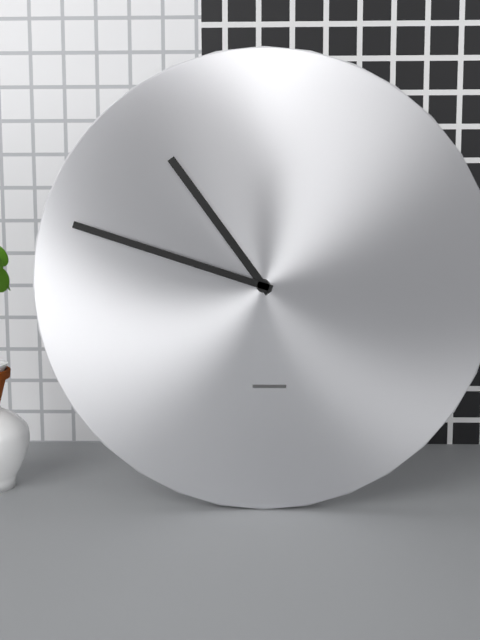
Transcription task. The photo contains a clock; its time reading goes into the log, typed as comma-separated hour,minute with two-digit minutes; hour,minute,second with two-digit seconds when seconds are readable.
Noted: 10,48
